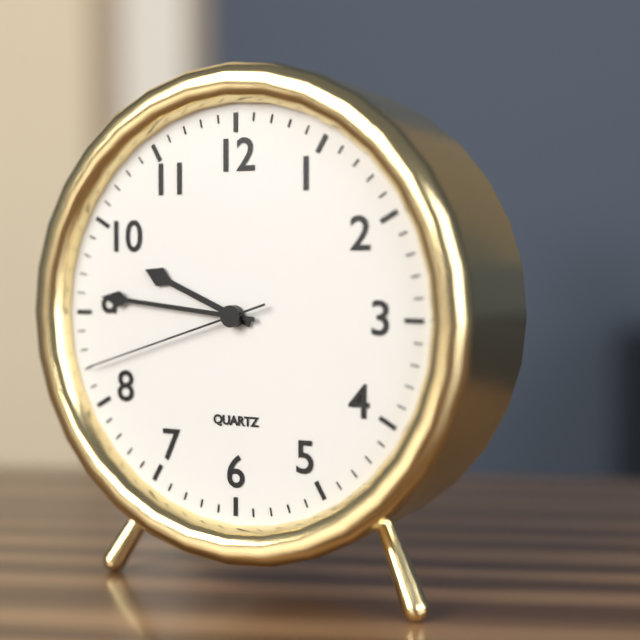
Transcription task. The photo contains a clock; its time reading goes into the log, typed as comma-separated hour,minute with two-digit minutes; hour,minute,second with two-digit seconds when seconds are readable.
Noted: 9,46,42
